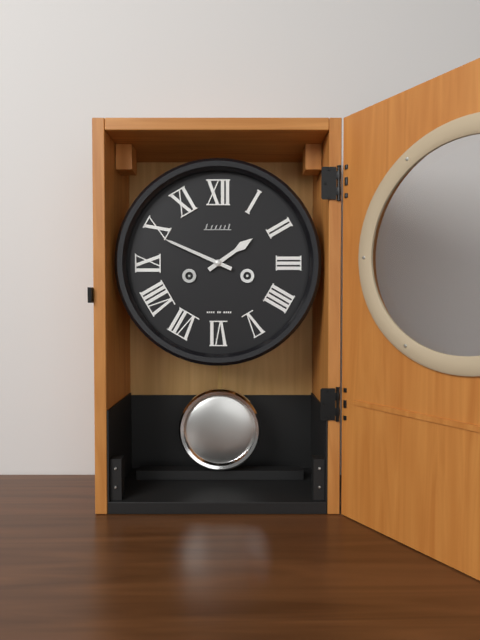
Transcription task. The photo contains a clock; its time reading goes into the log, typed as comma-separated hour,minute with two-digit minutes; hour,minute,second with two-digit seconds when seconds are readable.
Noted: 1,49
